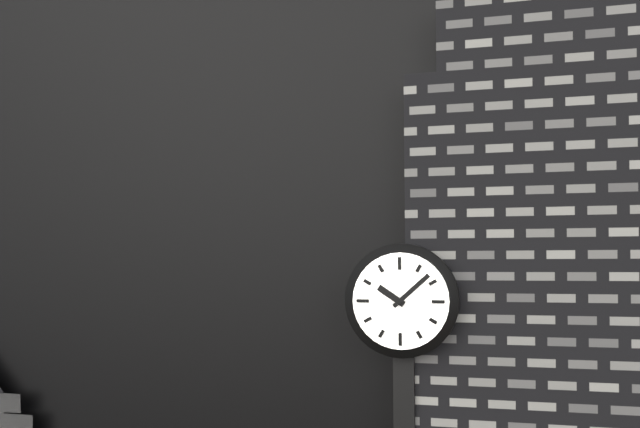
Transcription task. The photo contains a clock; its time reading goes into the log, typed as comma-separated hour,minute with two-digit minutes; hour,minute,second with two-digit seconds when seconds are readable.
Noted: 10,08
